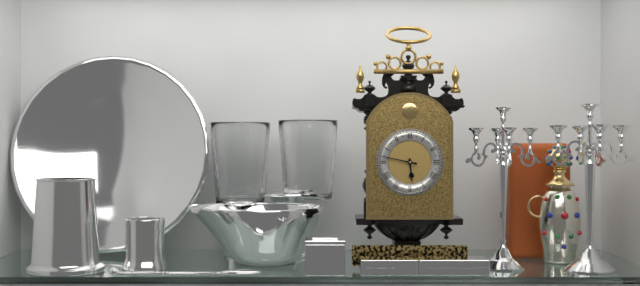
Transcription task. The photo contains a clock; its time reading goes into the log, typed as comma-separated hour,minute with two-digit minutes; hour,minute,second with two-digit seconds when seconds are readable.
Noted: 5,47
